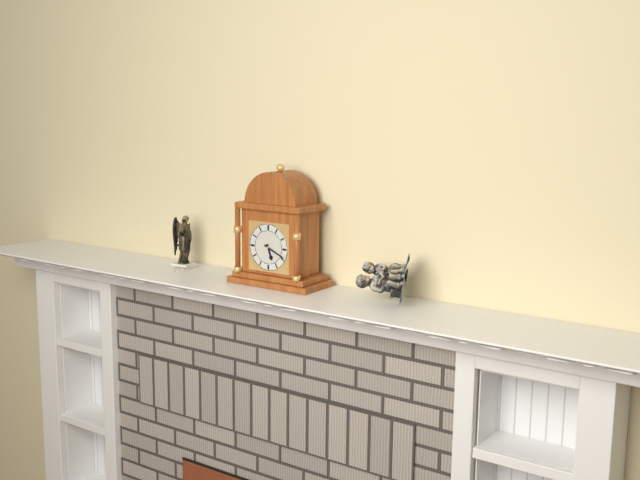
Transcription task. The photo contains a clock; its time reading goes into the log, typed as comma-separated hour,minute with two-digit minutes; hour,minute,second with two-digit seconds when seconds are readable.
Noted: 5,19
